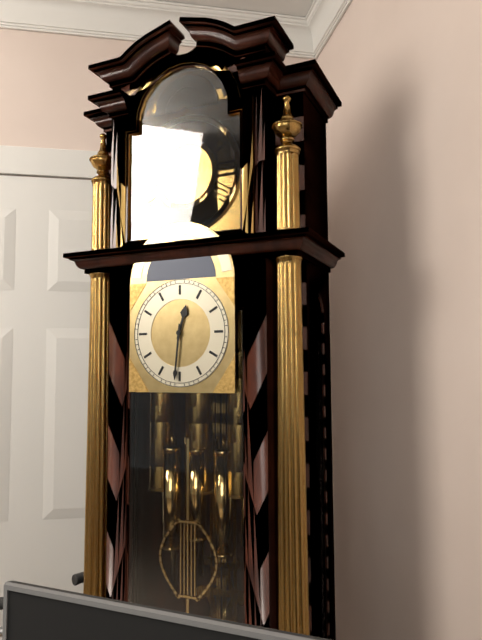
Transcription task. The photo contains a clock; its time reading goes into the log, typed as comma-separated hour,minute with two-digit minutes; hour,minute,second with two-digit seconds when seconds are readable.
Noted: 12,31
